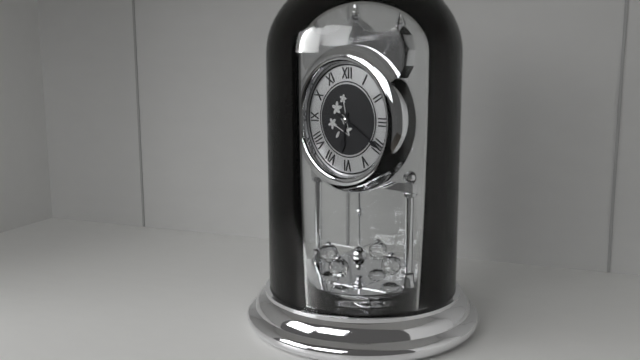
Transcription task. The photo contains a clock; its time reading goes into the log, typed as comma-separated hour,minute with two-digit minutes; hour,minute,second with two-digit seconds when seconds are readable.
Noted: 6,20
